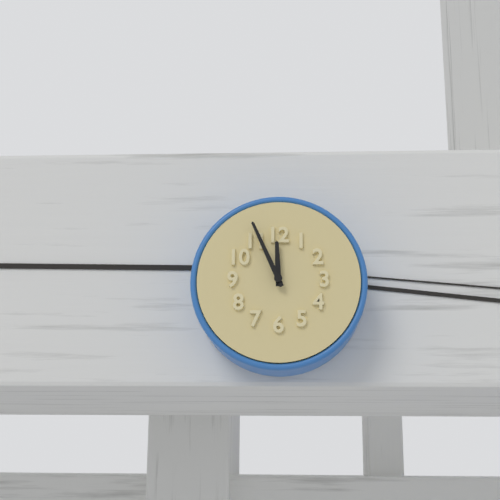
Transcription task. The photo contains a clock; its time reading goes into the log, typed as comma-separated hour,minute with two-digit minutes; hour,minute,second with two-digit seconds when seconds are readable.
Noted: 11,56
